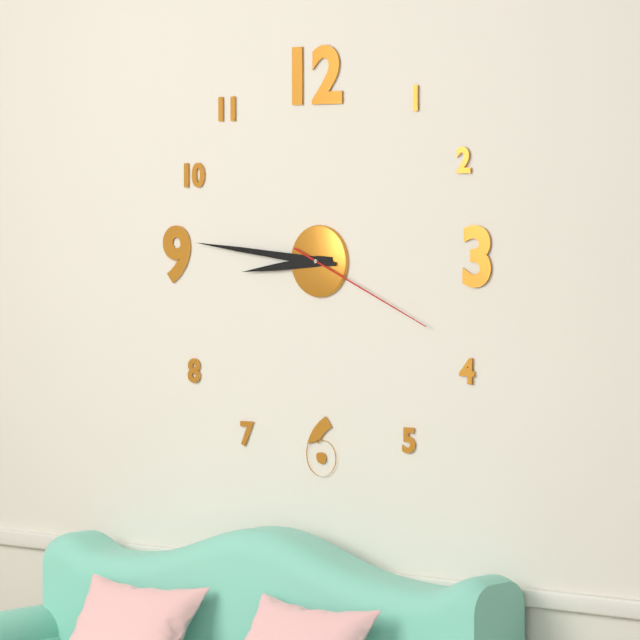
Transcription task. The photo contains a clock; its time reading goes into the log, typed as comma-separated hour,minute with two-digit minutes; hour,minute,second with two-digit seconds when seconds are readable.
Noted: 8,46,19
